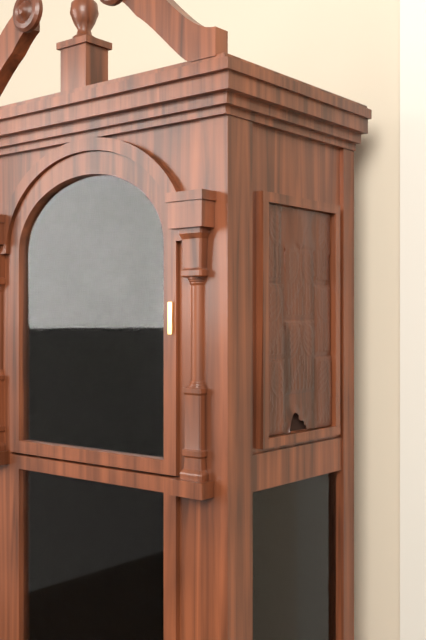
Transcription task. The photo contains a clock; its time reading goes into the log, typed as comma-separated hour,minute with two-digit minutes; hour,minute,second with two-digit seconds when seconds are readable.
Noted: 4,01
